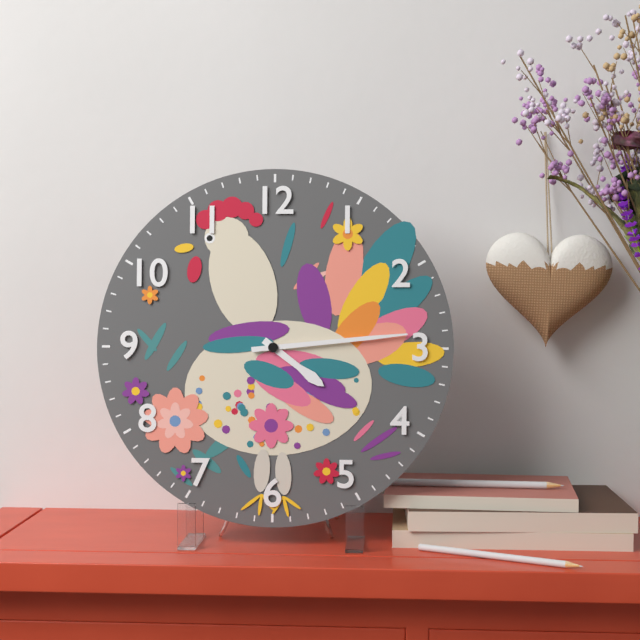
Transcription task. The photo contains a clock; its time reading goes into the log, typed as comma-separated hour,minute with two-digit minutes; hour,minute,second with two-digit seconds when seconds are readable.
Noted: 4,14
